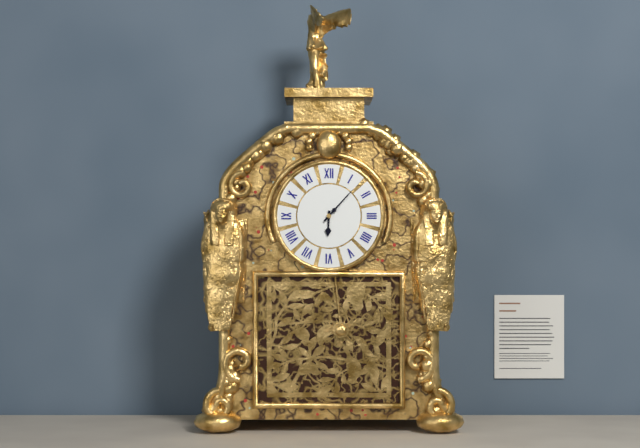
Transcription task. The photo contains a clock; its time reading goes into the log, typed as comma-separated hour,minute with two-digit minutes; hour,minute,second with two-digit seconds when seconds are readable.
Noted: 6,07
